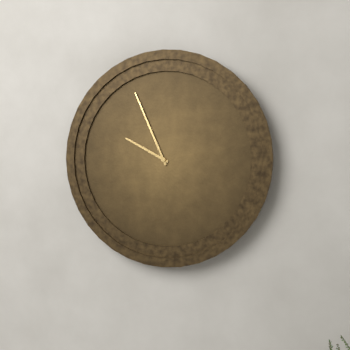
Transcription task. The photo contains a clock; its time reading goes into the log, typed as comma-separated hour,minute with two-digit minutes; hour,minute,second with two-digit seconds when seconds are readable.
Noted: 9,56
